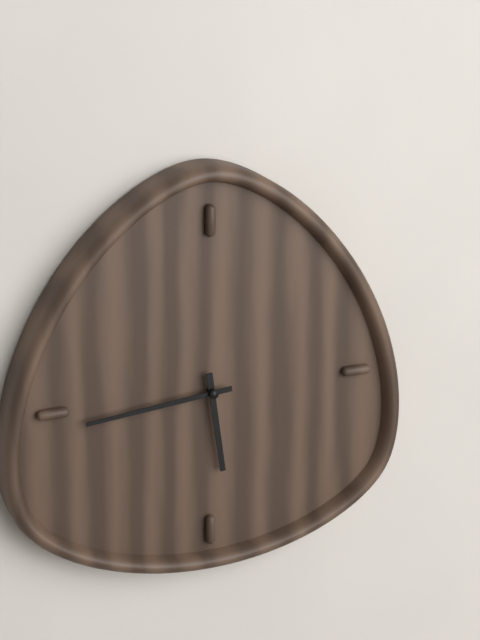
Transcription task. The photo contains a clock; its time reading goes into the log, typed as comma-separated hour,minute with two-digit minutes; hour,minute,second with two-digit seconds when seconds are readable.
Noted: 5,44
